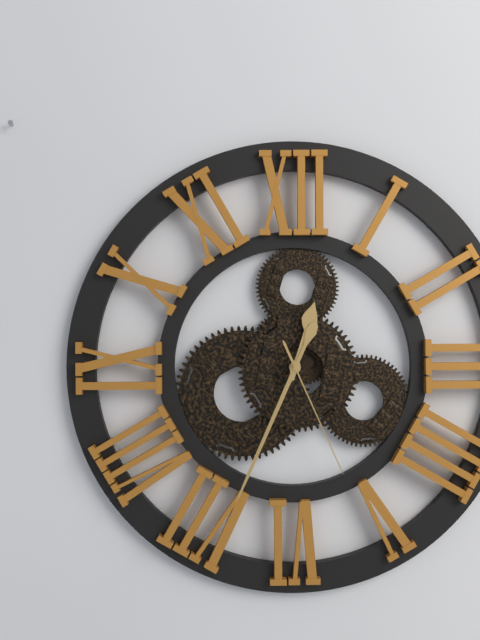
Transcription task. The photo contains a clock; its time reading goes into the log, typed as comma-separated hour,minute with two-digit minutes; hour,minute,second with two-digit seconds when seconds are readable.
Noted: 12,34,26
